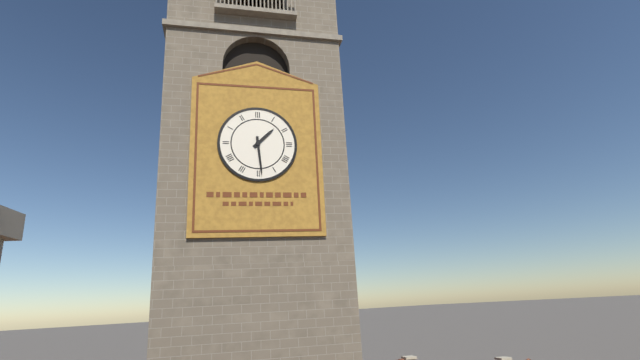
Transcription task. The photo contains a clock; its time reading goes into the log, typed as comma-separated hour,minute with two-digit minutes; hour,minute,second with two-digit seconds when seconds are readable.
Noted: 1,29
